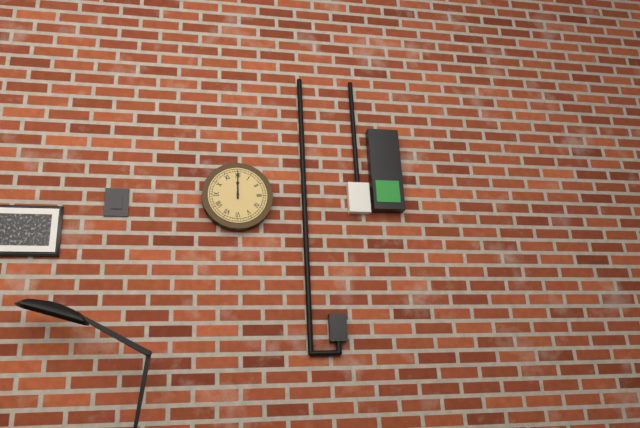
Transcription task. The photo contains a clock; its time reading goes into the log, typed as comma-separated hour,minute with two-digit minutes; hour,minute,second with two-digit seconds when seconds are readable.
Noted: 12,00
